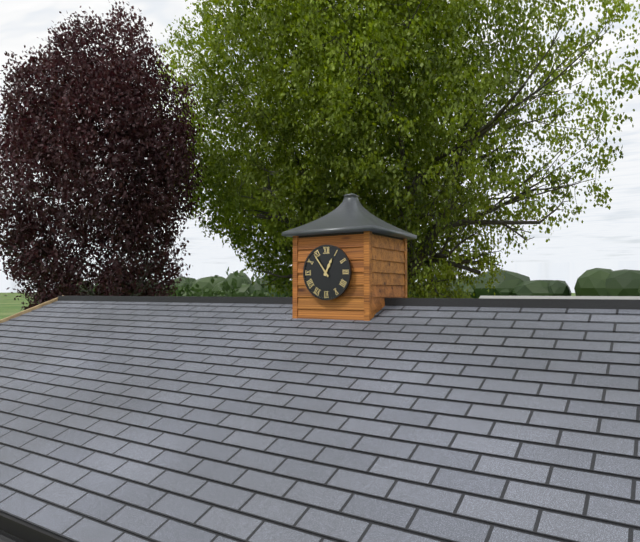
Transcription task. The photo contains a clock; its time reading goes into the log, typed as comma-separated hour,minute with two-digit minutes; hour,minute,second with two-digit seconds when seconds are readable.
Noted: 12,54
